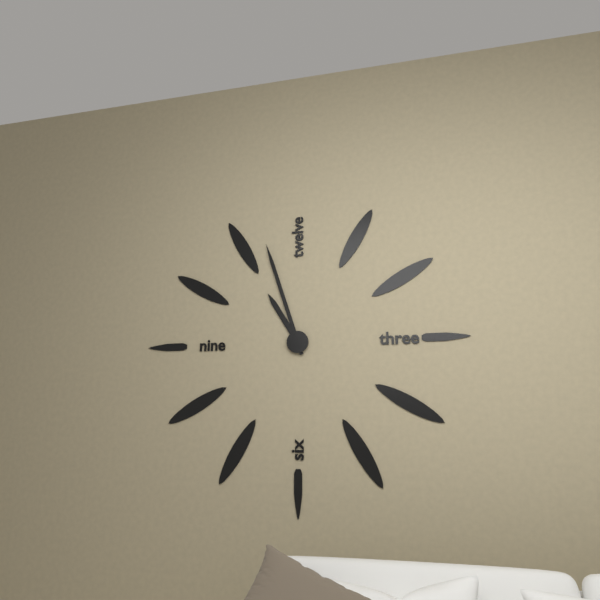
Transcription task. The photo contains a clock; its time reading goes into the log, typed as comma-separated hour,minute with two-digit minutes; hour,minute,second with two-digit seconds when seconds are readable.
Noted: 10,57
